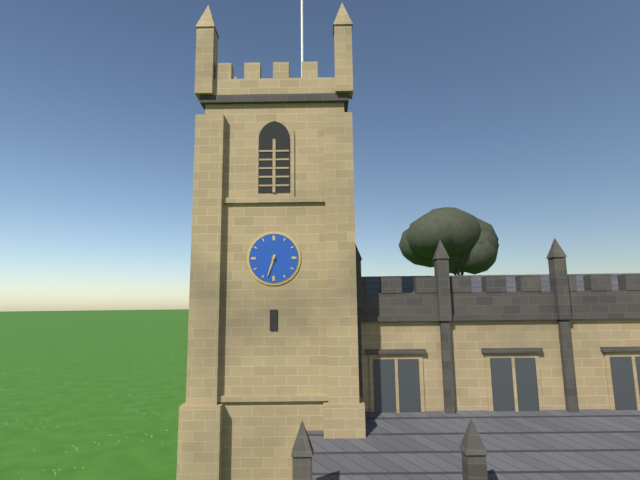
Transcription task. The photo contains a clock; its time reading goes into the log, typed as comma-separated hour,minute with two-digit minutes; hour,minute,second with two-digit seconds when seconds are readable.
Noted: 6,33
